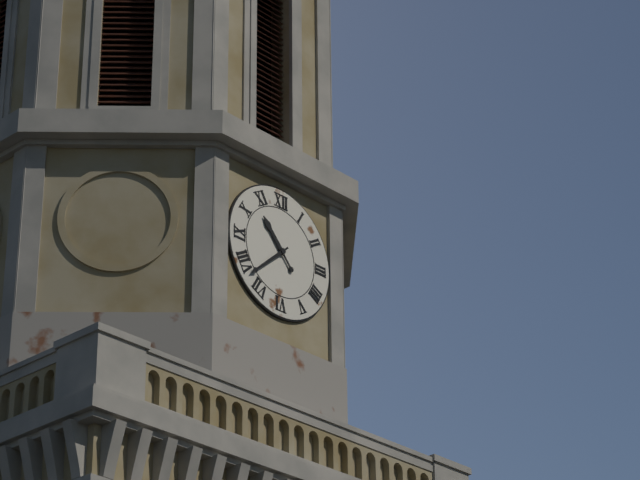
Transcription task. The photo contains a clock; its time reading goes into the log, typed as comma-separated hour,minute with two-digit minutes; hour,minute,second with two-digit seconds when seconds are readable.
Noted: 10,38
